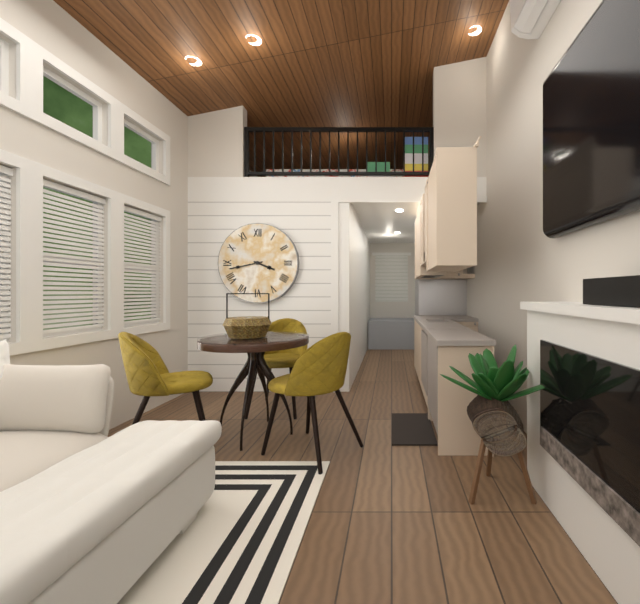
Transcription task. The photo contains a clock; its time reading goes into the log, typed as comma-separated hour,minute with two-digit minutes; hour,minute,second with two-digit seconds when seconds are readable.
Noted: 3,43
